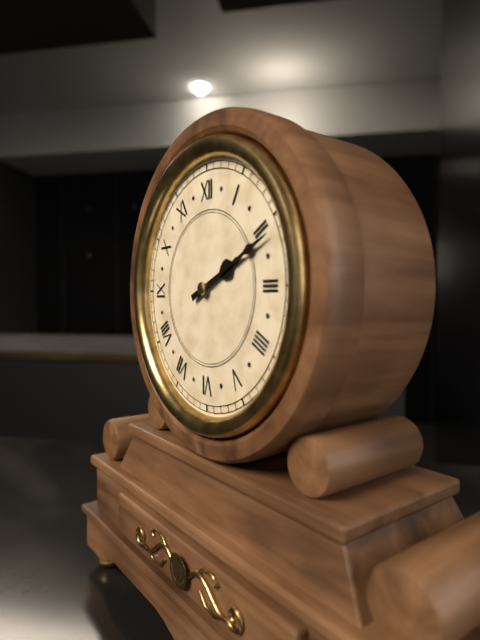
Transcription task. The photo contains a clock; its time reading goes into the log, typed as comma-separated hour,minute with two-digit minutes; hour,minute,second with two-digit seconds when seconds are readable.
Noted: 2,11
